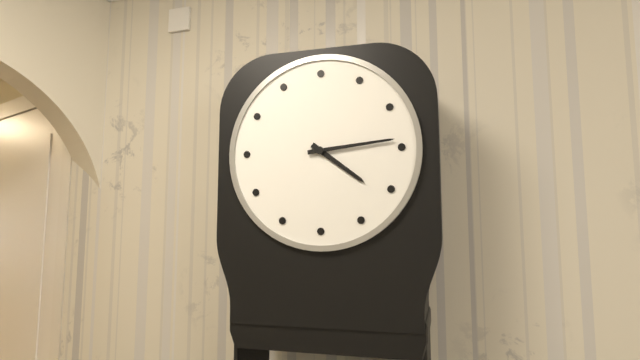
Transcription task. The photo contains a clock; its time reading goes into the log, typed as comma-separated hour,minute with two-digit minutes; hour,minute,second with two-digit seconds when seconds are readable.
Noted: 4,14
